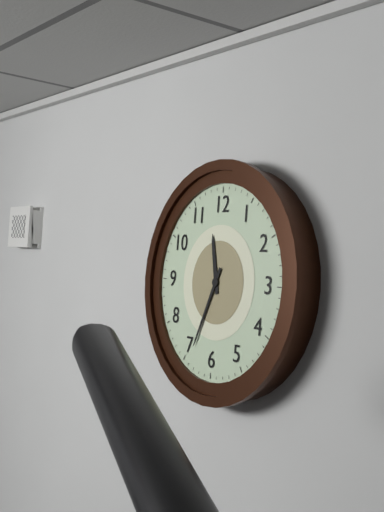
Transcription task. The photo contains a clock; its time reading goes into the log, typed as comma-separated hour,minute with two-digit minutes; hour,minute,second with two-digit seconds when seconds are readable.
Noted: 11,34
